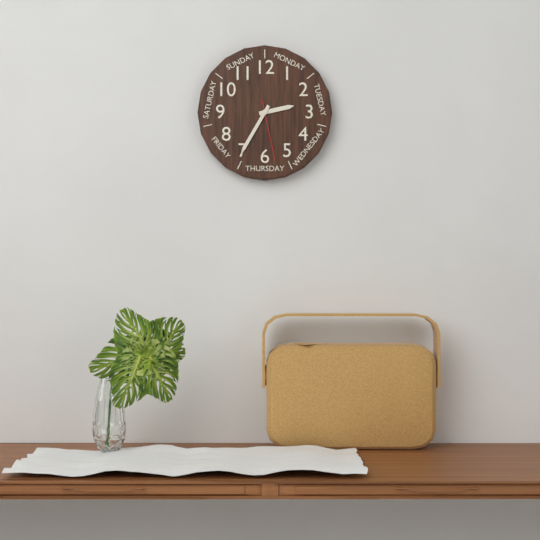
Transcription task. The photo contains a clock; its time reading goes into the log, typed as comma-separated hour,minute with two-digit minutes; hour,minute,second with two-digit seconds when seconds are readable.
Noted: 2,35,28
